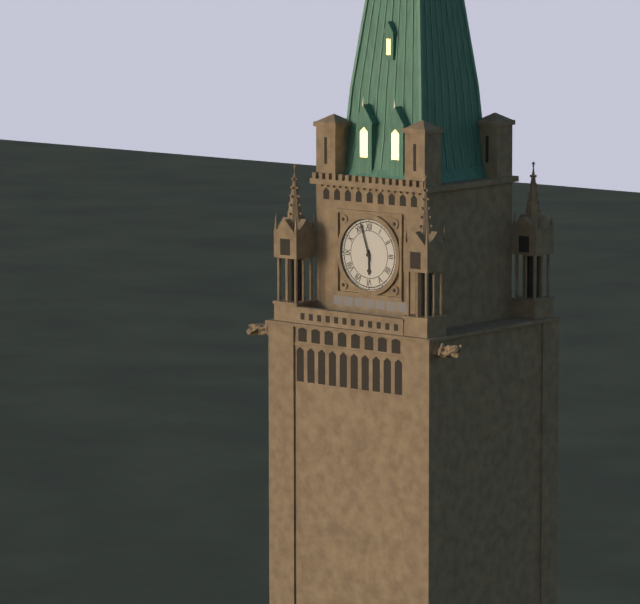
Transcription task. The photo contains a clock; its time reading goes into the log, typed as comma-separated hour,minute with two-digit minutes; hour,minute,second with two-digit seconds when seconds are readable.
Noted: 5,57
